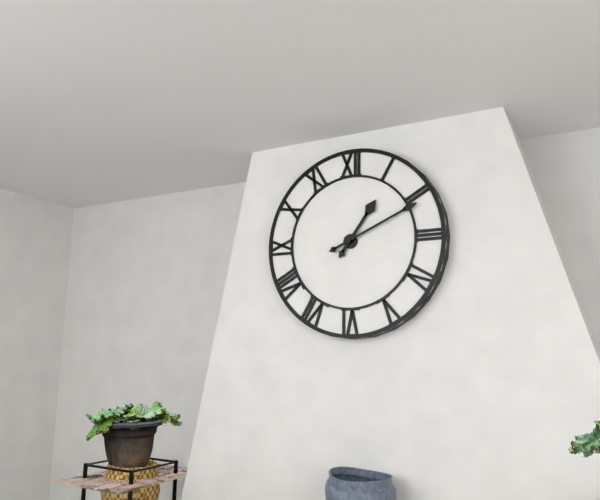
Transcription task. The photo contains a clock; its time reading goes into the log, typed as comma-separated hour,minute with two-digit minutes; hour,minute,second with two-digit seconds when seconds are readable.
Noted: 1,11
